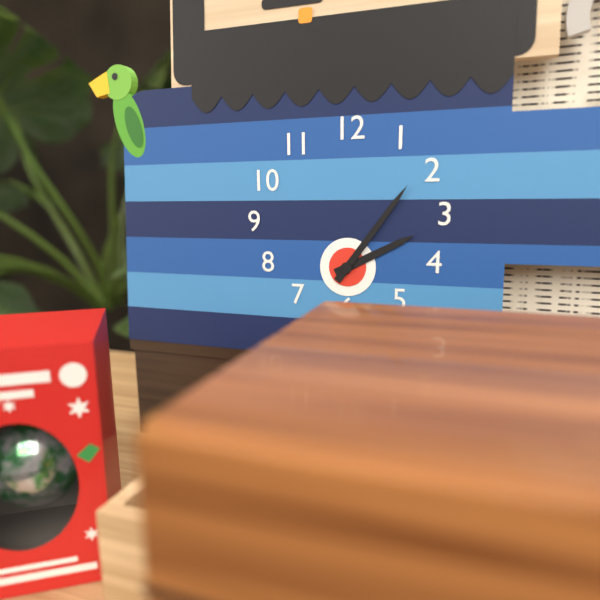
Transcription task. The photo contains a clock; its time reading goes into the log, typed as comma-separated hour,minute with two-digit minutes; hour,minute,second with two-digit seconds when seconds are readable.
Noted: 2,06
